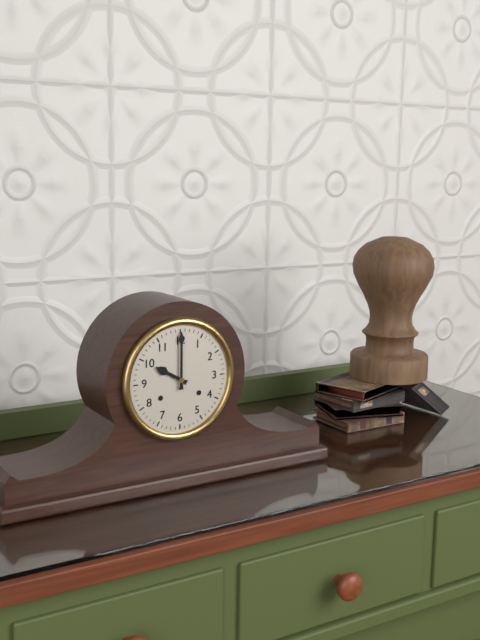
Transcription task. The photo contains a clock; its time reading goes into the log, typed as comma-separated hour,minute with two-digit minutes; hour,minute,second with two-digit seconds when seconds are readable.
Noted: 10,00
